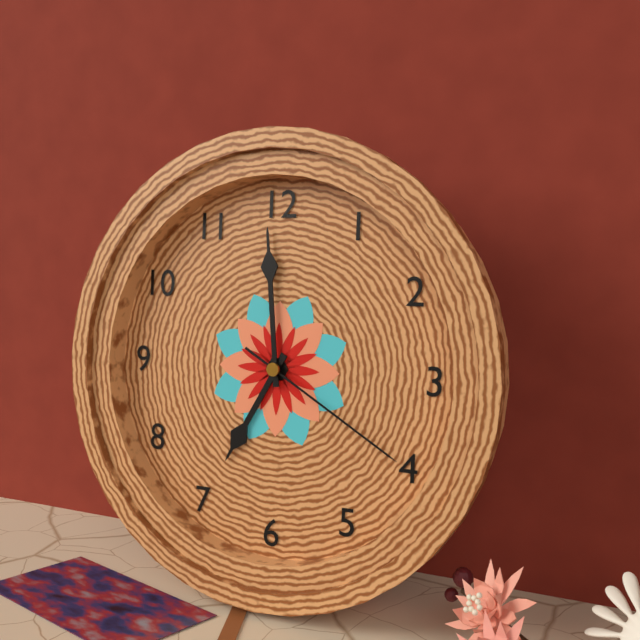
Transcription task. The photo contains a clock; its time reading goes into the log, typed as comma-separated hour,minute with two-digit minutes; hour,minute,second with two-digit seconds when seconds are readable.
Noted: 6,59,20
